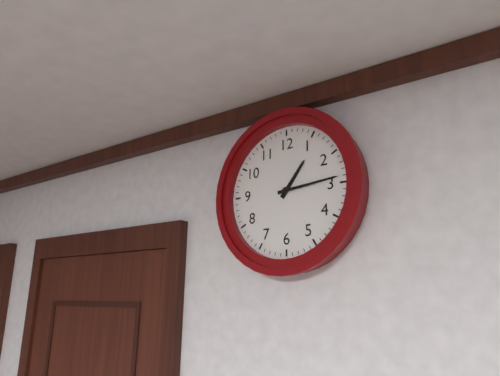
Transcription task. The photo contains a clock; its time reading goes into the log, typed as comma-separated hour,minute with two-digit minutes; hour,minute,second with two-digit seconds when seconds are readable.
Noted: 1,14
